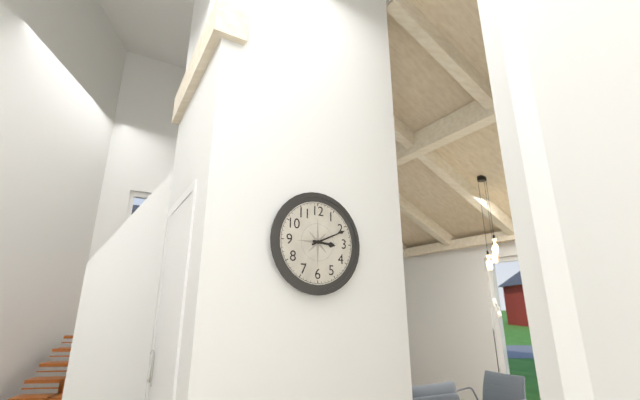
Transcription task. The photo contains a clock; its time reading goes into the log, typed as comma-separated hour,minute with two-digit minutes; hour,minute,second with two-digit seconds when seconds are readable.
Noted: 3,11
